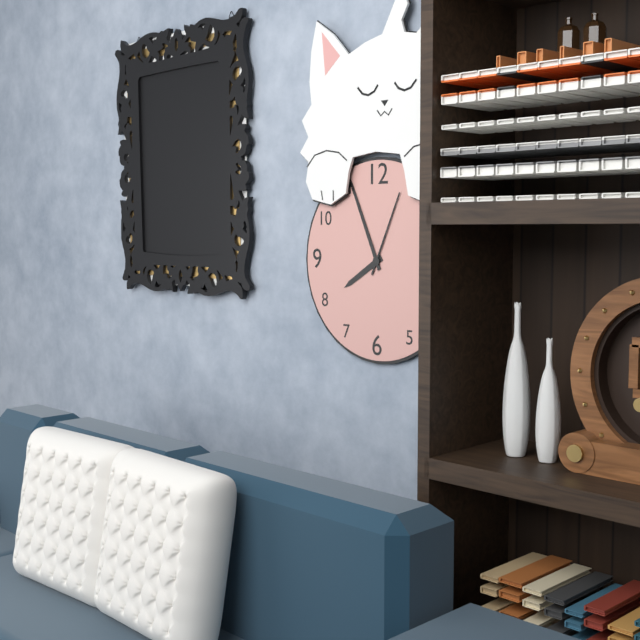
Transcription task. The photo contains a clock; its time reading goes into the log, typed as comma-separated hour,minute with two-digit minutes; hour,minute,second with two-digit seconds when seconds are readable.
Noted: 7,56,04
